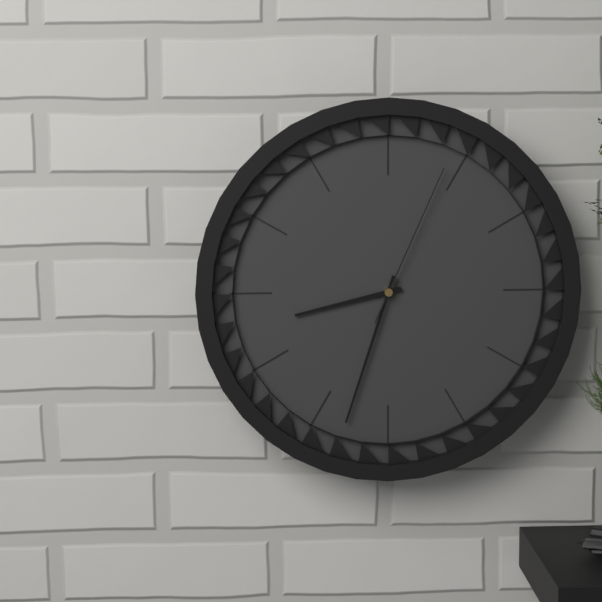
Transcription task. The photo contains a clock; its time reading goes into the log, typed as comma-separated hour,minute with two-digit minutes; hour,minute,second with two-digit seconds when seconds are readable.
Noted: 8,33,04
